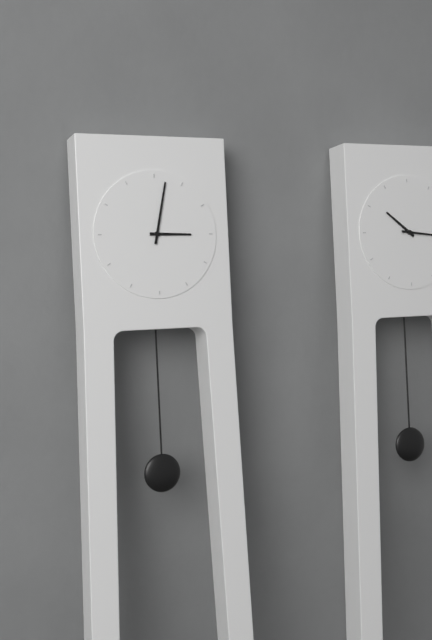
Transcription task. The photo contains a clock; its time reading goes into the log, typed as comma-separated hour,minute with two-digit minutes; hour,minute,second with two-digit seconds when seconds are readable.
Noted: 3,02
